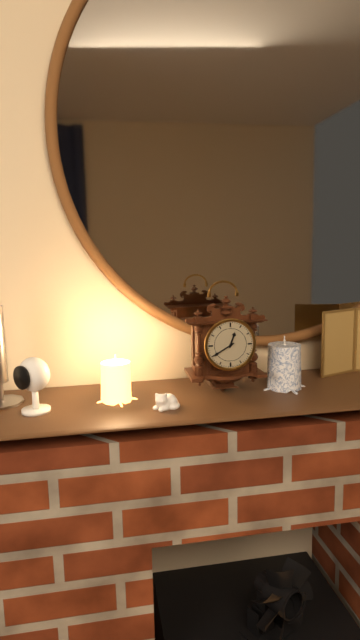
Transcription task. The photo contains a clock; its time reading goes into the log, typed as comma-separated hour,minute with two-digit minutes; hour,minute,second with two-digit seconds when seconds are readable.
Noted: 12,40
